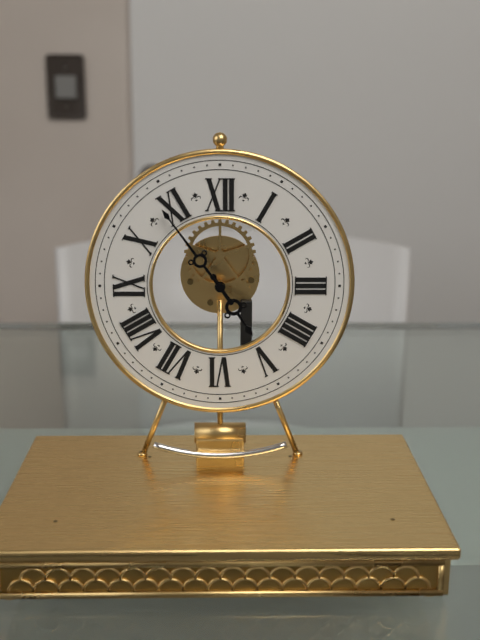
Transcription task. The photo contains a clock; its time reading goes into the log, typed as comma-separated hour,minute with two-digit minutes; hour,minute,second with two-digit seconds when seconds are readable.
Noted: 4,54
